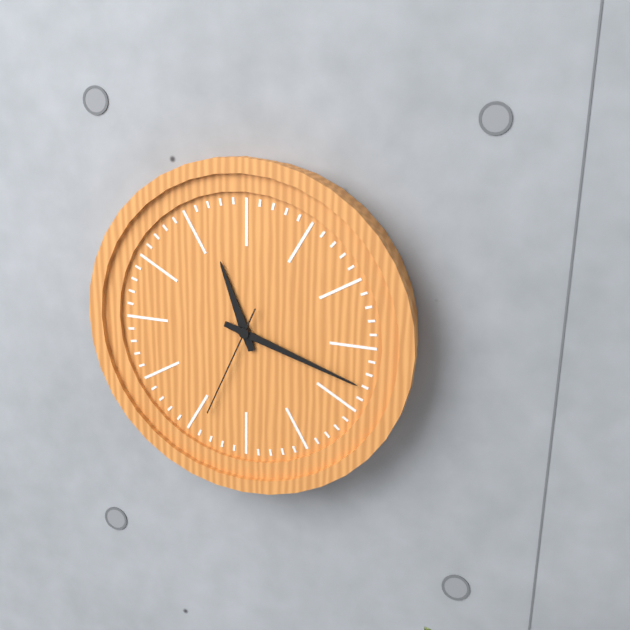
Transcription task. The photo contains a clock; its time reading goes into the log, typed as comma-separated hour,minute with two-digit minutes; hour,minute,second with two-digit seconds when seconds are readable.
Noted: 11,18,34
